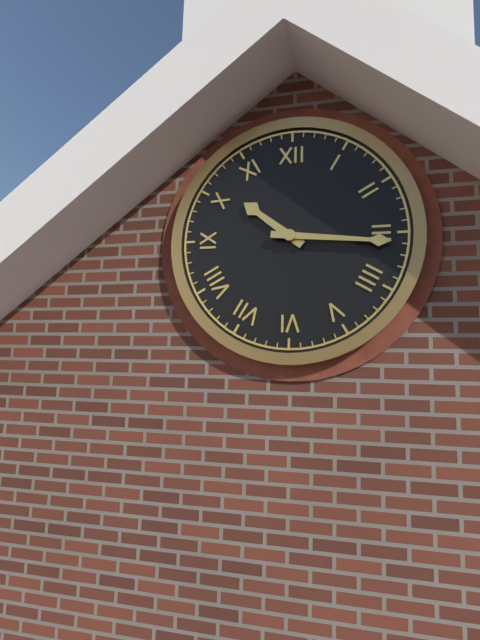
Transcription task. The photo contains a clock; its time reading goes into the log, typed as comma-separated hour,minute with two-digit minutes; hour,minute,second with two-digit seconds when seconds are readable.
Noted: 10,16
